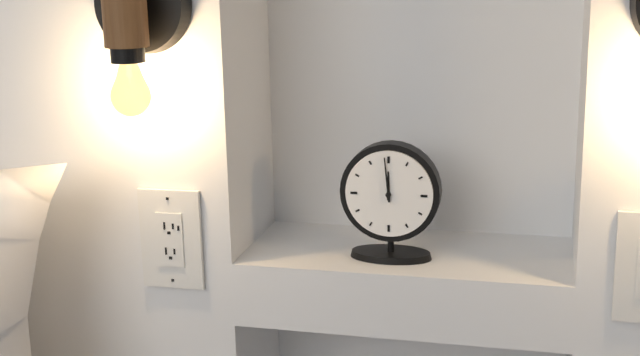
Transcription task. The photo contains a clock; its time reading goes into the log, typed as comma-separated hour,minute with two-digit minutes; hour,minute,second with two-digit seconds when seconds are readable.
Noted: 11,59
